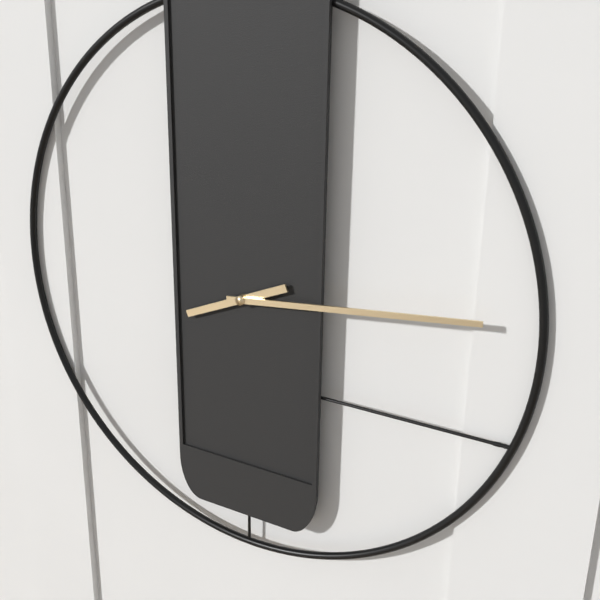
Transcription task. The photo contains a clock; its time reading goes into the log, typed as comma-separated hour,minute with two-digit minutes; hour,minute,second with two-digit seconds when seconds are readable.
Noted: 8,14
